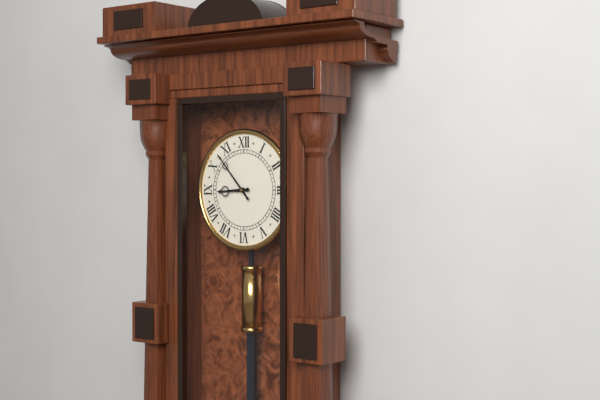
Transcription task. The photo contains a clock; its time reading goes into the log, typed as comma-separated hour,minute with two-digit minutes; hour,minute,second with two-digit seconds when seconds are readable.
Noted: 8,53
